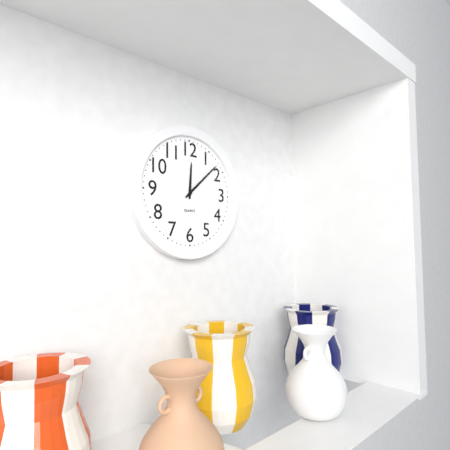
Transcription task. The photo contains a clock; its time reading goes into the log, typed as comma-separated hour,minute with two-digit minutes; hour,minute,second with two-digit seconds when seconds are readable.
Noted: 12,08
